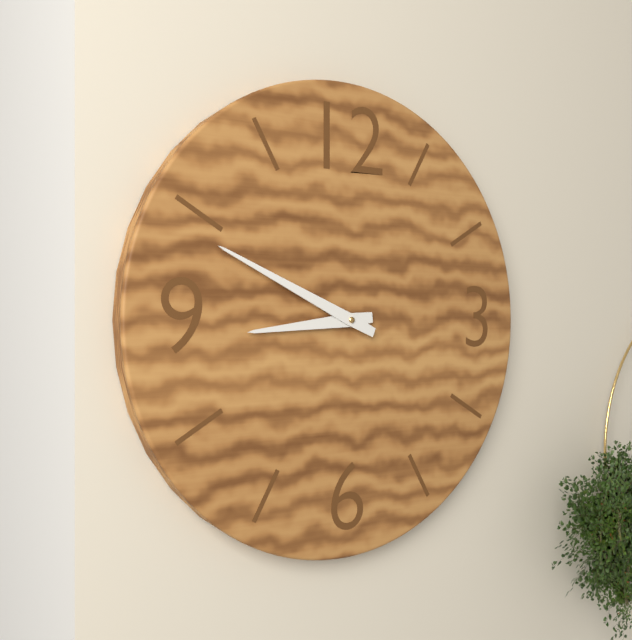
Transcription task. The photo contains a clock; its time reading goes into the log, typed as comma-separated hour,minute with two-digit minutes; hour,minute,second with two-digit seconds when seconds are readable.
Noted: 8,49
